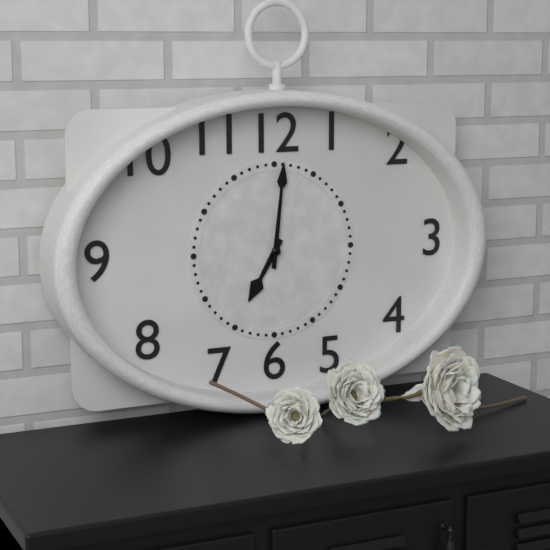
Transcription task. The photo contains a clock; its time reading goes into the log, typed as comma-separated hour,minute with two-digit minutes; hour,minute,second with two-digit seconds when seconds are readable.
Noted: 7,01
